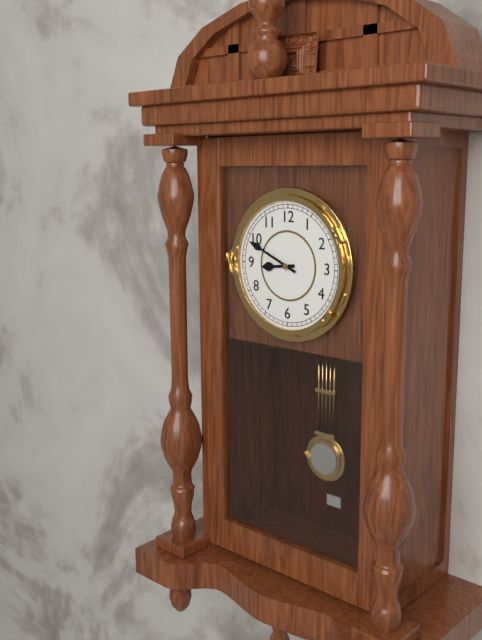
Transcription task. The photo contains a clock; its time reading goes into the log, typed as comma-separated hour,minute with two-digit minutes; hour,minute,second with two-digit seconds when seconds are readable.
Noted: 8,49
